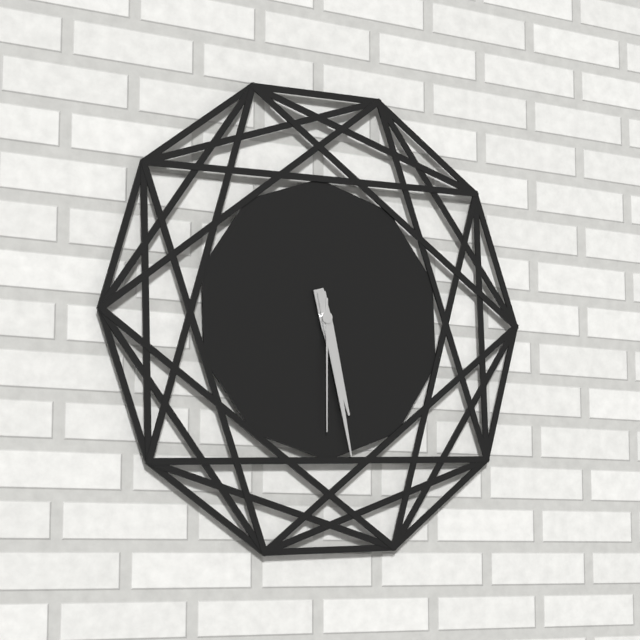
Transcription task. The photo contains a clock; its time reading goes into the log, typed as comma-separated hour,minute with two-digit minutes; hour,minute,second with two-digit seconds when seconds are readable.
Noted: 5,28,30
